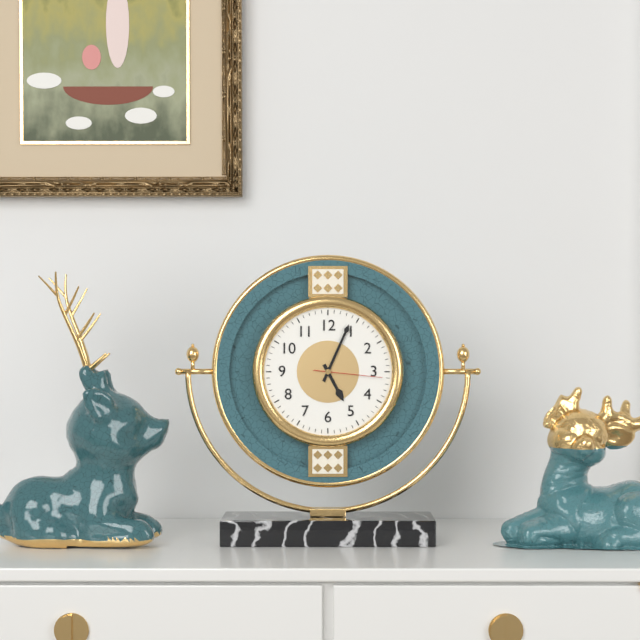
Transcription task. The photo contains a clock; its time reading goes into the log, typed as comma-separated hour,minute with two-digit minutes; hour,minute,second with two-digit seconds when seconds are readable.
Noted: 5,04,16
